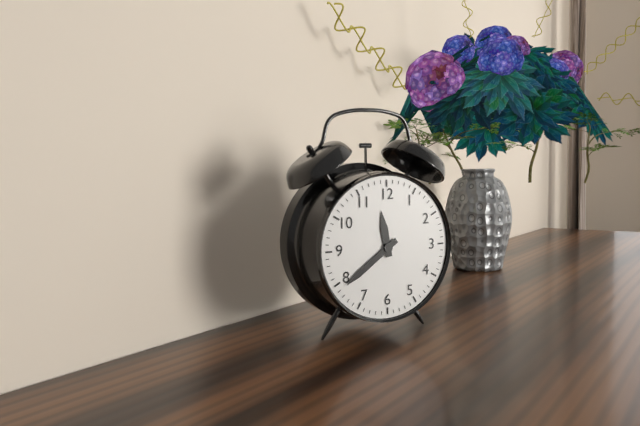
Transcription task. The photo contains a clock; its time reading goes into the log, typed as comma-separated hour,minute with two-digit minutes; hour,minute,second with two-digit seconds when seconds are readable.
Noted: 11,39
